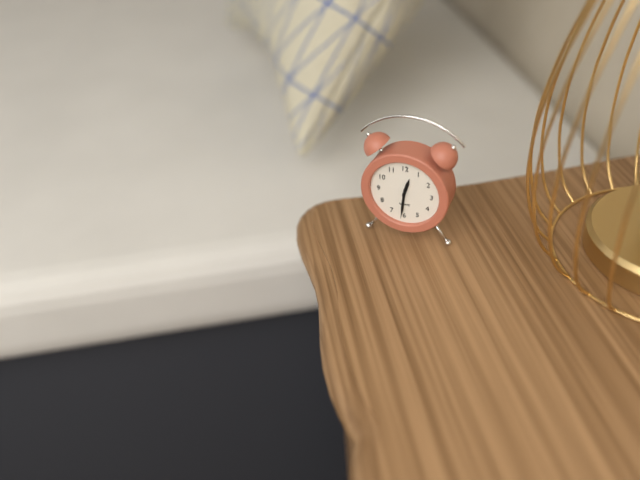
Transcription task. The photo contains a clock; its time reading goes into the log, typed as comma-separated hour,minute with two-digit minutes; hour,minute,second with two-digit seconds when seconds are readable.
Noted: 12,31
